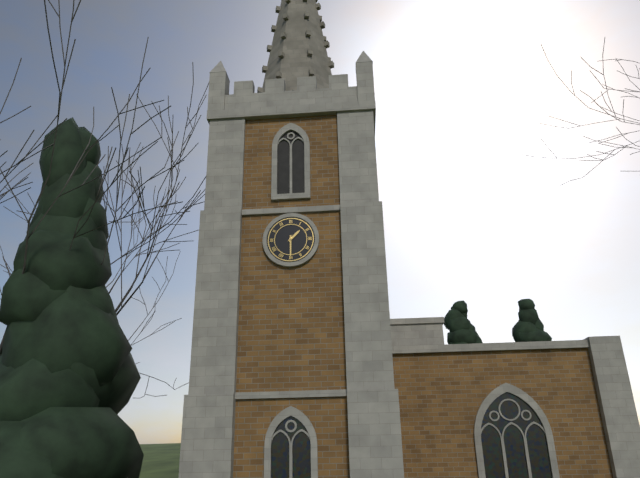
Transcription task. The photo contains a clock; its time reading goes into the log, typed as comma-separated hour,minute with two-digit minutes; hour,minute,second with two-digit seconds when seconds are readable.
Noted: 1,30
